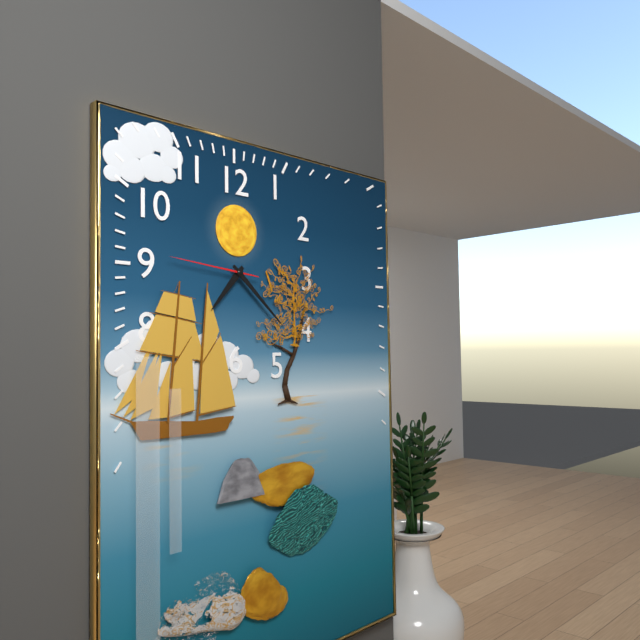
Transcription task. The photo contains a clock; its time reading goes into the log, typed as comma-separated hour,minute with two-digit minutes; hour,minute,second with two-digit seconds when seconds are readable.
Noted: 7,22,46
